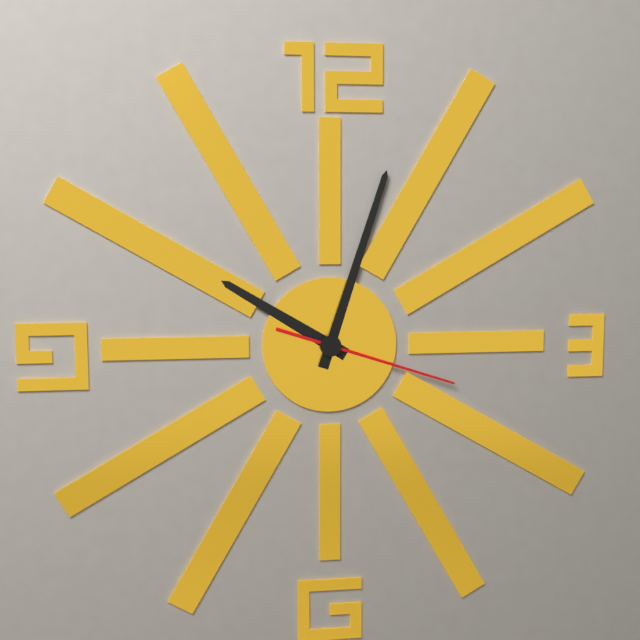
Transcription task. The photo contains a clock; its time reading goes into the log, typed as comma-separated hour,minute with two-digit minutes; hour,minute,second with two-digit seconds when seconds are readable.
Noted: 10,03,18
